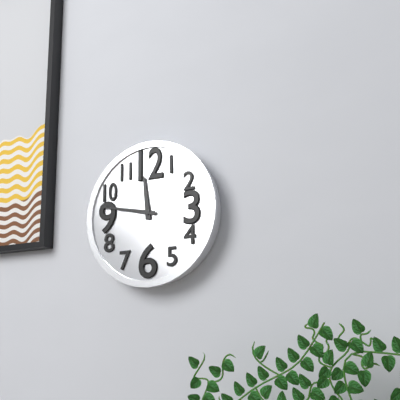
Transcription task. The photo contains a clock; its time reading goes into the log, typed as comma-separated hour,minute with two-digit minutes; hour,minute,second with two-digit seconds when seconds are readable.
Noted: 11,47
